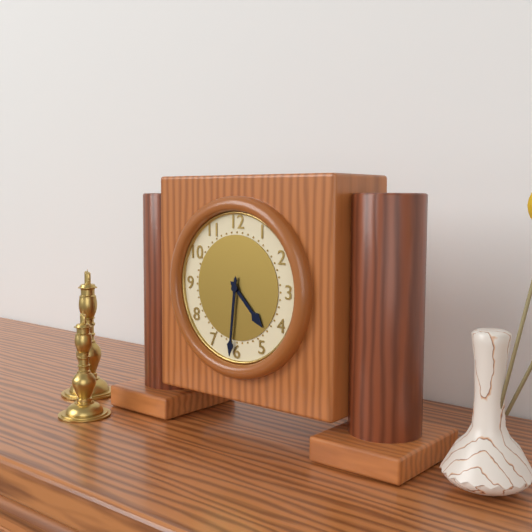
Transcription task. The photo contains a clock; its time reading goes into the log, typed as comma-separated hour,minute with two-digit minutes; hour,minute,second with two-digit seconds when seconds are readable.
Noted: 4,31
